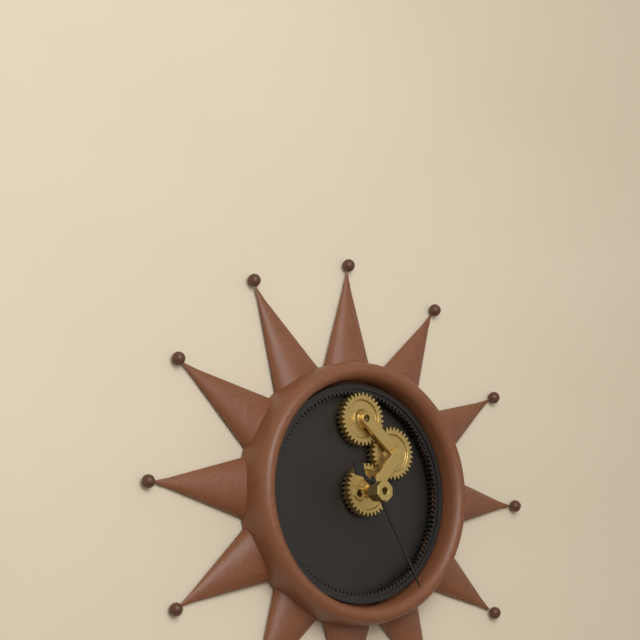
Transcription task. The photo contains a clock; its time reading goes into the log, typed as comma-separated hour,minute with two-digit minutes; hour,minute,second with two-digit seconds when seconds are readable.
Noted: 10,25
